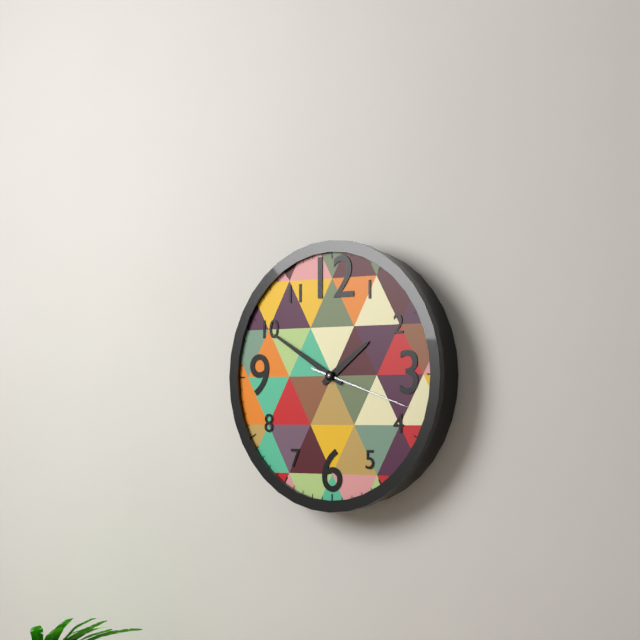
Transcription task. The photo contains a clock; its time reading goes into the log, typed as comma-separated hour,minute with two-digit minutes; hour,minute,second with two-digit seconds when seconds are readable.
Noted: 1,50,18
